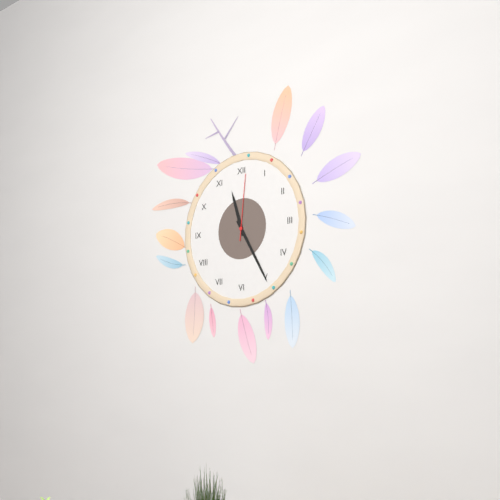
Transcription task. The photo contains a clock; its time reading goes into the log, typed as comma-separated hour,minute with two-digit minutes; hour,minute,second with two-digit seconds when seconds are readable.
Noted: 11,25,01
